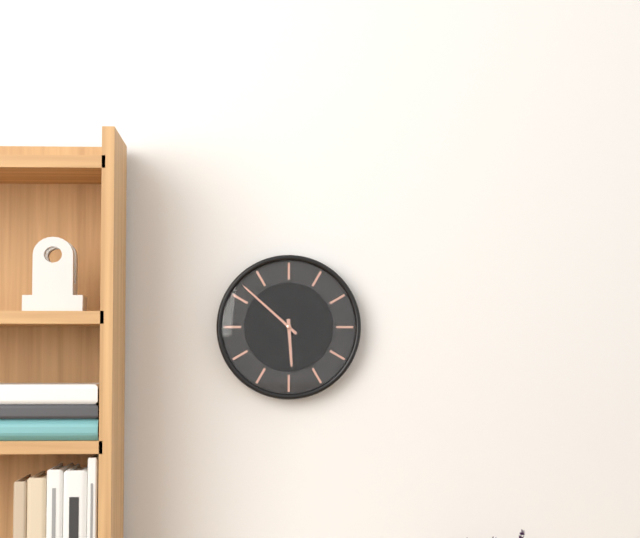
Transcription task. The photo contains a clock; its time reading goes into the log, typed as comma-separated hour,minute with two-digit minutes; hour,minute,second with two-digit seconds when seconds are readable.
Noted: 5,52
